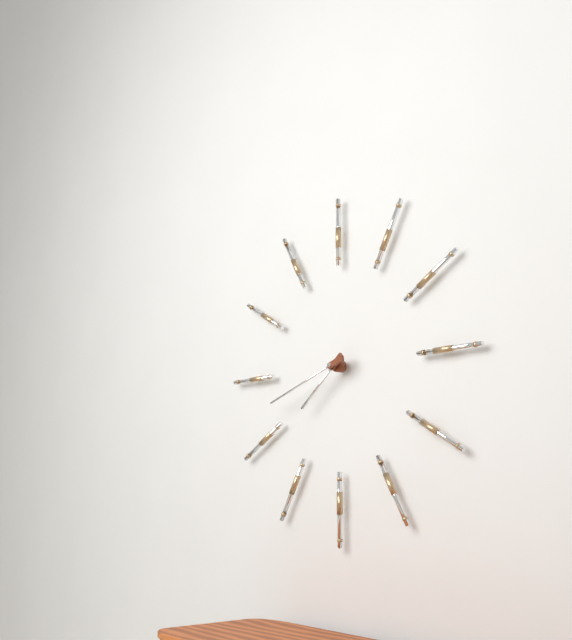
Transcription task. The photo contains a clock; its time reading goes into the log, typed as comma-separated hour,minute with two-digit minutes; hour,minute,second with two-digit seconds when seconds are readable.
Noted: 7,42
